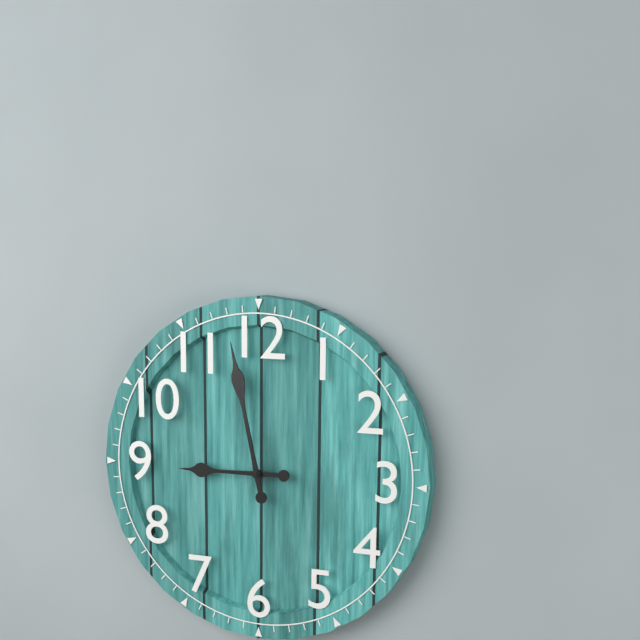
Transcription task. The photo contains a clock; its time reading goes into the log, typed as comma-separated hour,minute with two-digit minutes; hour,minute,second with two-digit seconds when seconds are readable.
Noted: 8,58
